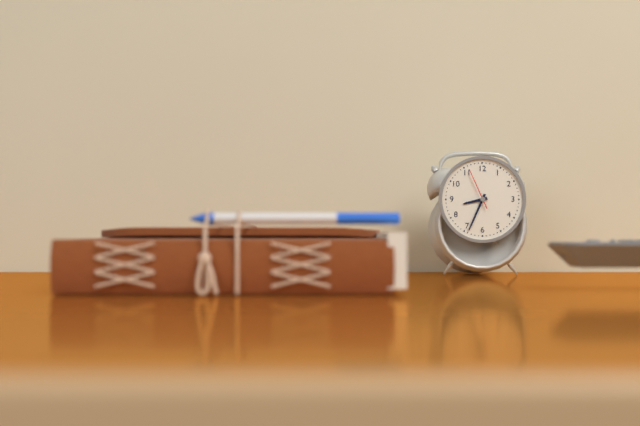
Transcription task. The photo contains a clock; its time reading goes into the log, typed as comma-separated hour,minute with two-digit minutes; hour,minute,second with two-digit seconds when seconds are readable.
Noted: 8,34
